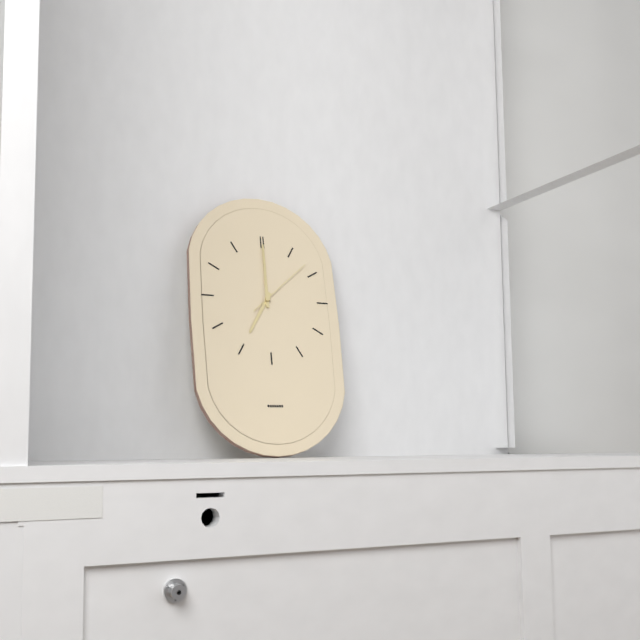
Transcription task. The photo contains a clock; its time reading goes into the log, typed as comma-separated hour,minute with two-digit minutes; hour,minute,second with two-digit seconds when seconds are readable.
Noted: 7,00,08
